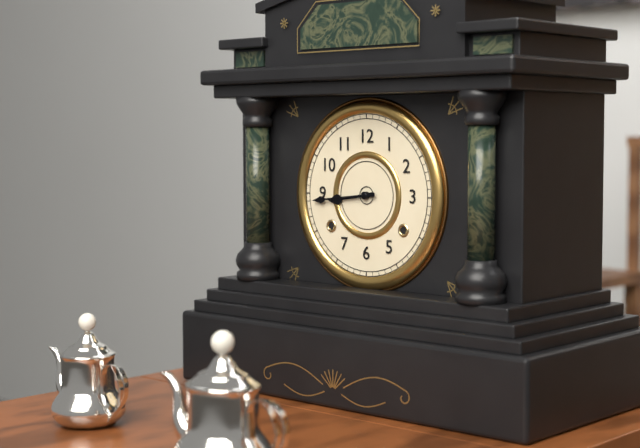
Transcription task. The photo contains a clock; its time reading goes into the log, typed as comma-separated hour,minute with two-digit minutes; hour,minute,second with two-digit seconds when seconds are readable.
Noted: 8,44
